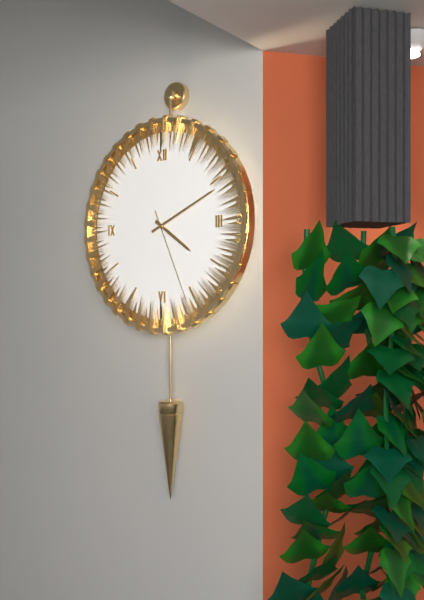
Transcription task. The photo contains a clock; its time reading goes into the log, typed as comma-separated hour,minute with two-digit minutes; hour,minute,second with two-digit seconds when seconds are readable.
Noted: 4,11,26
